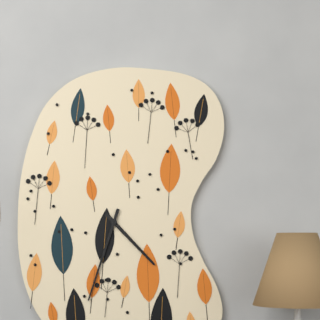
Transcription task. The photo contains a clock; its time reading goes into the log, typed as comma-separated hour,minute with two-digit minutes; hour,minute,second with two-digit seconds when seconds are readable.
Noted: 4,33
